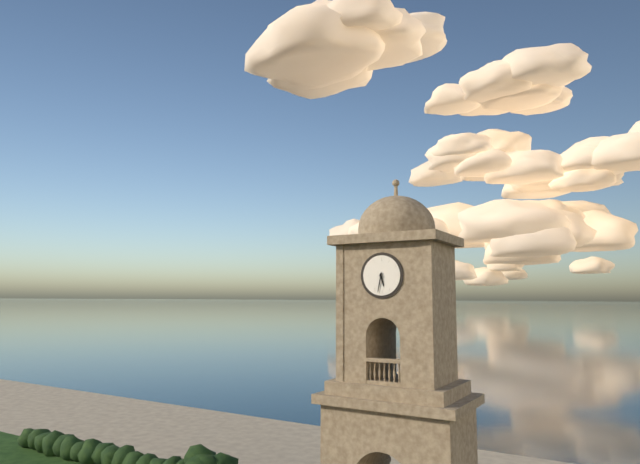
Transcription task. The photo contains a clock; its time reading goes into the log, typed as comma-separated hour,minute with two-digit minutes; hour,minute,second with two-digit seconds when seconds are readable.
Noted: 5,32
